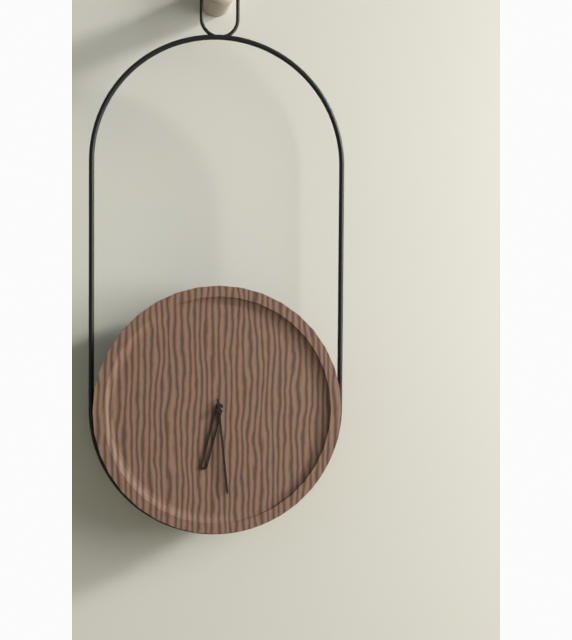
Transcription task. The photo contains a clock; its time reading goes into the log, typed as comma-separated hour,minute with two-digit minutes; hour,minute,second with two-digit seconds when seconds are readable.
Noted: 6,29
